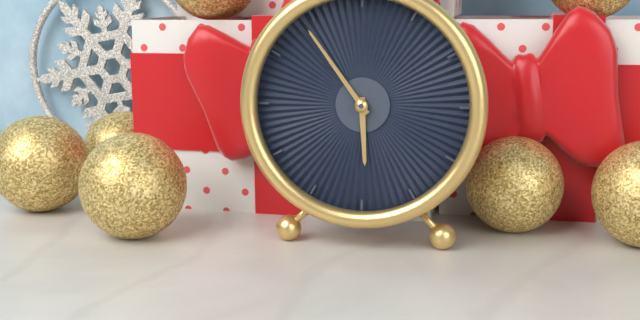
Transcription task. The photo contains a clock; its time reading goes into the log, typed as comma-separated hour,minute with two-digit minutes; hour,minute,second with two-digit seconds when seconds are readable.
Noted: 5,54
